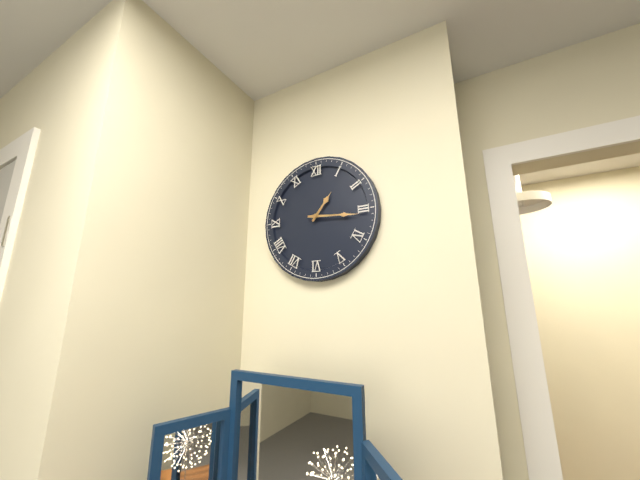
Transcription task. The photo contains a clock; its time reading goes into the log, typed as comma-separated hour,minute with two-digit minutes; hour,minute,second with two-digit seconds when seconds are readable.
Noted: 1,16
